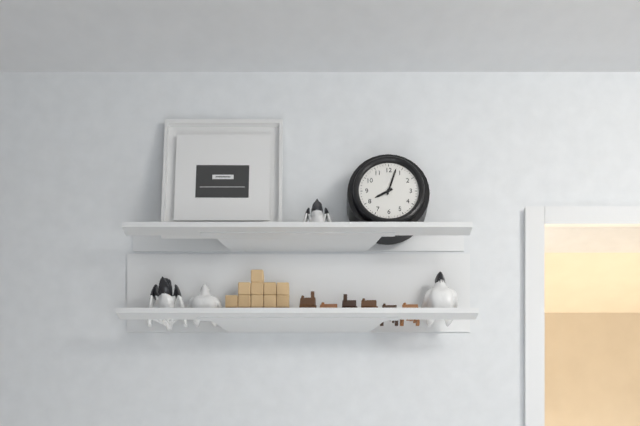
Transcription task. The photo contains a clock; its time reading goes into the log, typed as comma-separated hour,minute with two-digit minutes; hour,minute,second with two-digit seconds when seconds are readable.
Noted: 8,03
